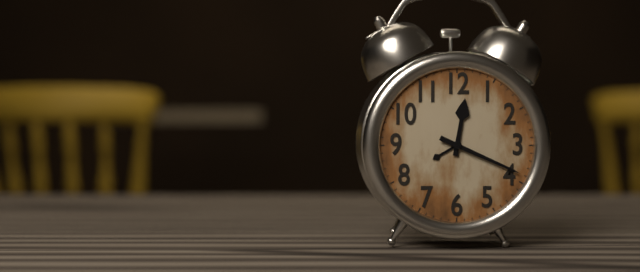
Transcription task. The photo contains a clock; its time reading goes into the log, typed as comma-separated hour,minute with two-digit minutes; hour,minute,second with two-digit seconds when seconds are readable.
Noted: 12,19
